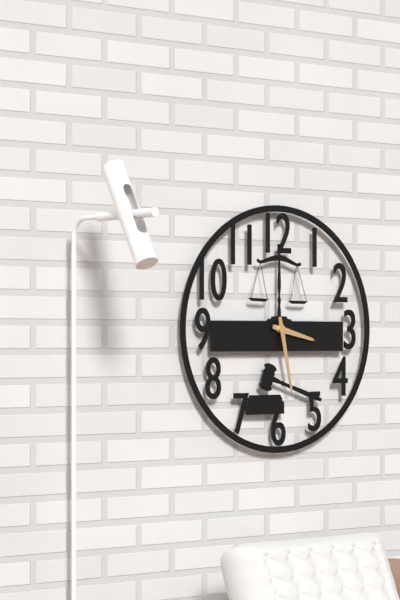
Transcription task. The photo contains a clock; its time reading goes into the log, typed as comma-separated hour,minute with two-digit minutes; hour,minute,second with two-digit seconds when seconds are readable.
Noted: 3,28
